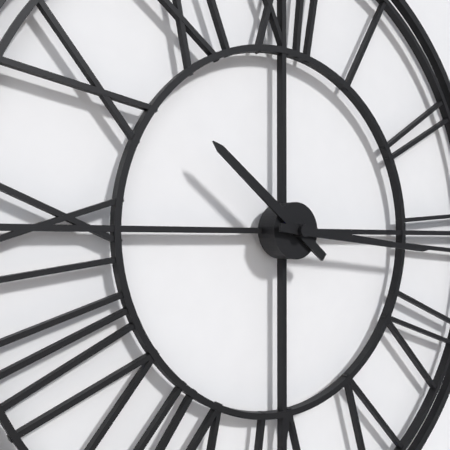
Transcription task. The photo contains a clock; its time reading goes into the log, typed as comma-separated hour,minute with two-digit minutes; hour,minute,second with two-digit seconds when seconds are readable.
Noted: 10,16
